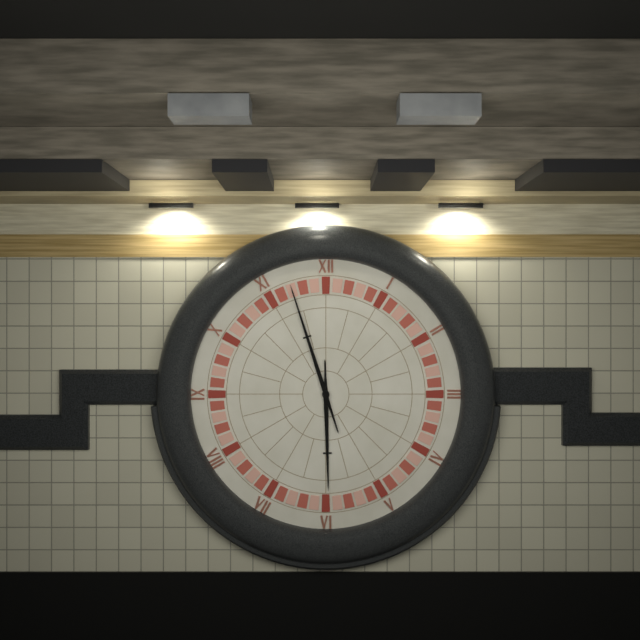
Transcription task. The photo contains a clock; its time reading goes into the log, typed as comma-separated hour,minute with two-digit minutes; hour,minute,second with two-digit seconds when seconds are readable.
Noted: 5,57
